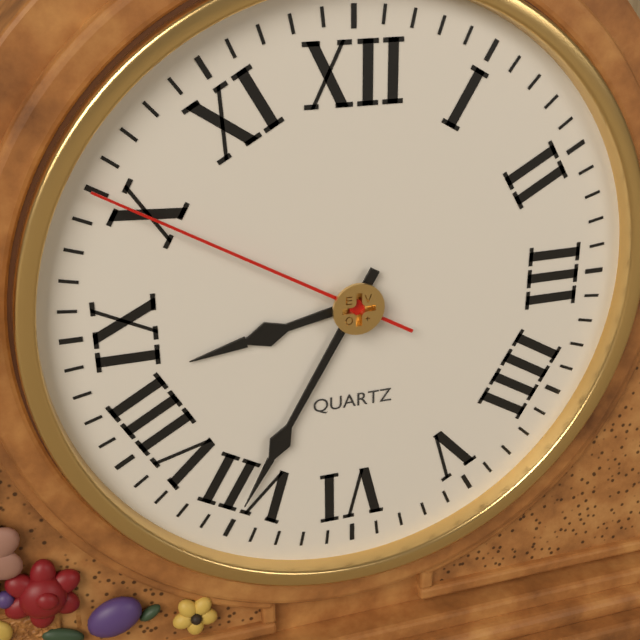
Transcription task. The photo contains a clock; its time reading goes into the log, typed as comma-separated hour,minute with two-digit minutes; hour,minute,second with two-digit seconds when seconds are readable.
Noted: 8,35,50
